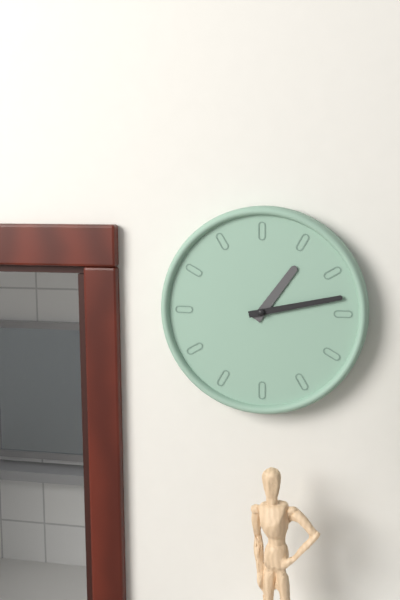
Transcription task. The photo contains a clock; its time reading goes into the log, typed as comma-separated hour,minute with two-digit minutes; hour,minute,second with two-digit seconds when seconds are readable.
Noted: 1,13
